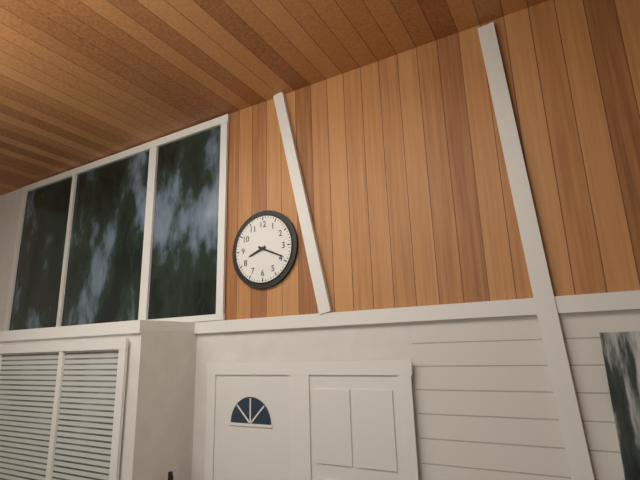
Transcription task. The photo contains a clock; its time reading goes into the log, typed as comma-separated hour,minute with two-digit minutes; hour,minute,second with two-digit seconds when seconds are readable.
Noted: 8,19
